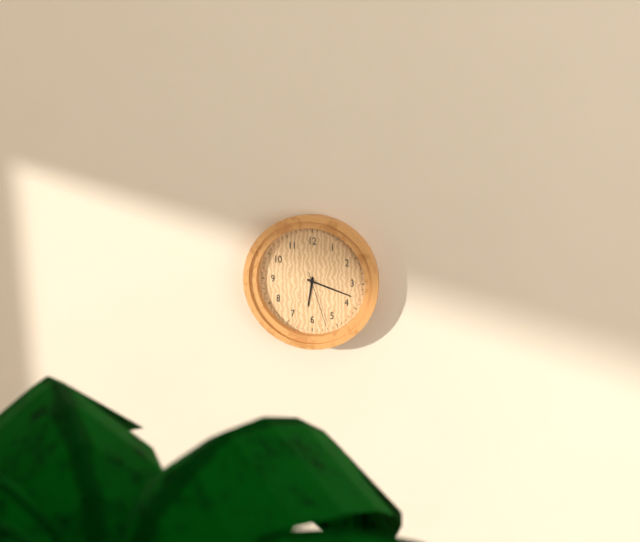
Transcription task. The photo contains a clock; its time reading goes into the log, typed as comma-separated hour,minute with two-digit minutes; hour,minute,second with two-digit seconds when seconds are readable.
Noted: 6,18,27
